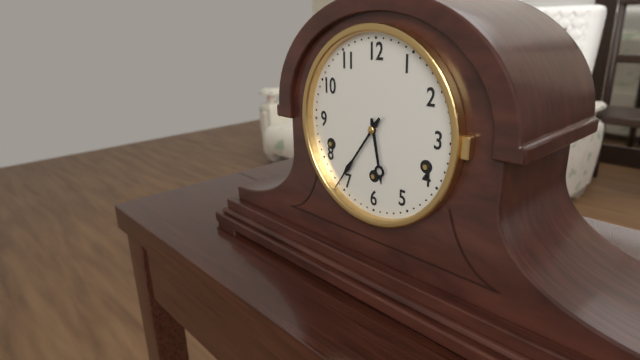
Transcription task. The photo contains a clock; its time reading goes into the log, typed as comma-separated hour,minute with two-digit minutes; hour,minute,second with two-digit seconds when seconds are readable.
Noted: 5,36
